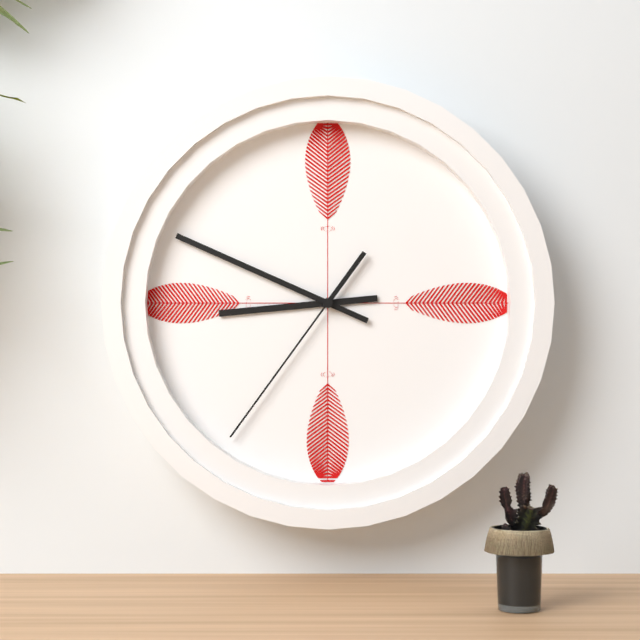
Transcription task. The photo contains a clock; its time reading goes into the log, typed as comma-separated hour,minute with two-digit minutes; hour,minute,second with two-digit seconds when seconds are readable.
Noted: 8,49,36
